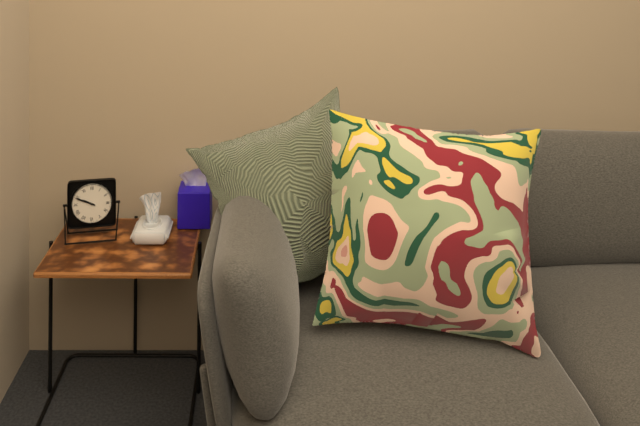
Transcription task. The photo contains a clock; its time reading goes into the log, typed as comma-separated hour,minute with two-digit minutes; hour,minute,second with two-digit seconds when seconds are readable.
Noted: 9,49
